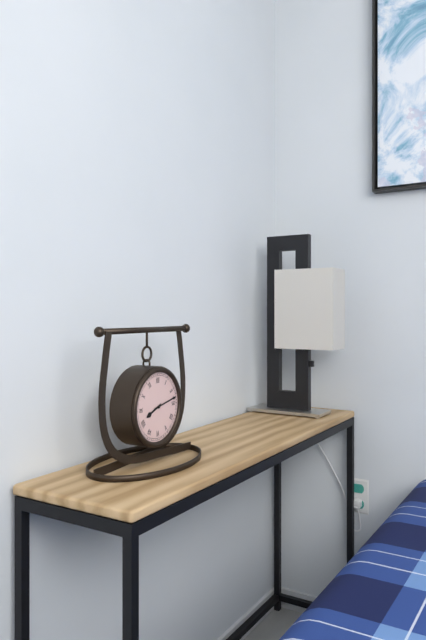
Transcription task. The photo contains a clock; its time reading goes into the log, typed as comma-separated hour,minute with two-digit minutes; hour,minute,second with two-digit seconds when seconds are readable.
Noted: 8,13
